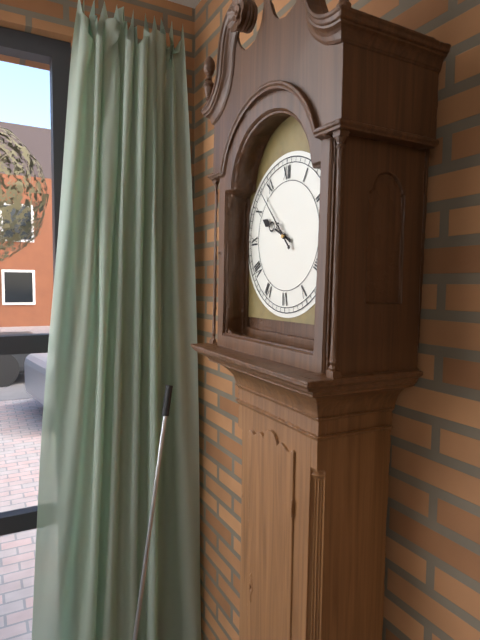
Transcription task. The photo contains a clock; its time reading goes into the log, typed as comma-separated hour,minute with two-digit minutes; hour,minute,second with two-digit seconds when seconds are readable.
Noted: 9,53
